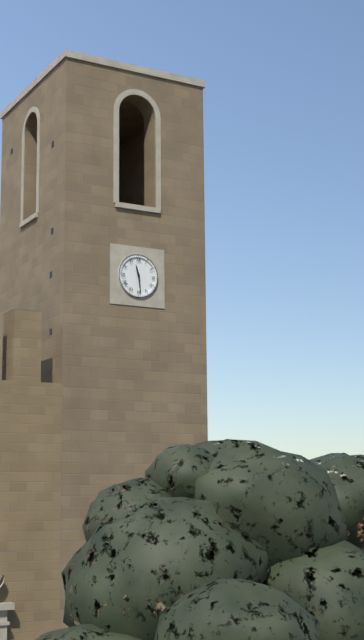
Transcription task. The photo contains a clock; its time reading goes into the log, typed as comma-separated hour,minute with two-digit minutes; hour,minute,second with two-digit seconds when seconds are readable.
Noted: 11,29
